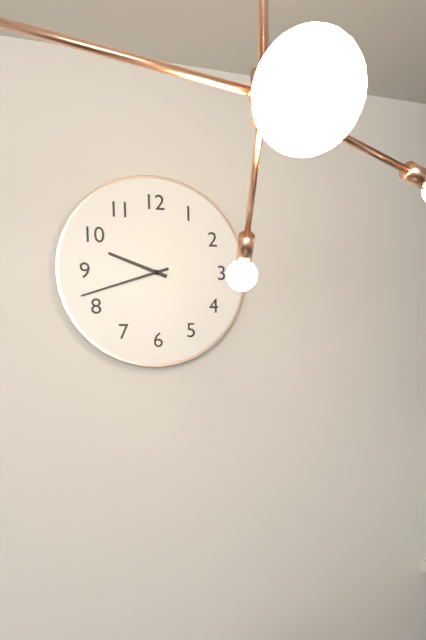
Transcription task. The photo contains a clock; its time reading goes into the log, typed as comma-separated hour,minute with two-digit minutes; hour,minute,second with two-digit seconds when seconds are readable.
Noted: 9,42
